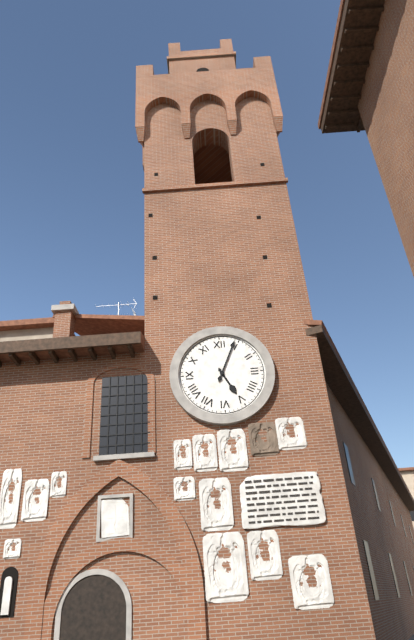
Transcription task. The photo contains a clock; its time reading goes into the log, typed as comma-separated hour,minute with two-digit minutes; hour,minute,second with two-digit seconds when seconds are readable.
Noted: 5,04
